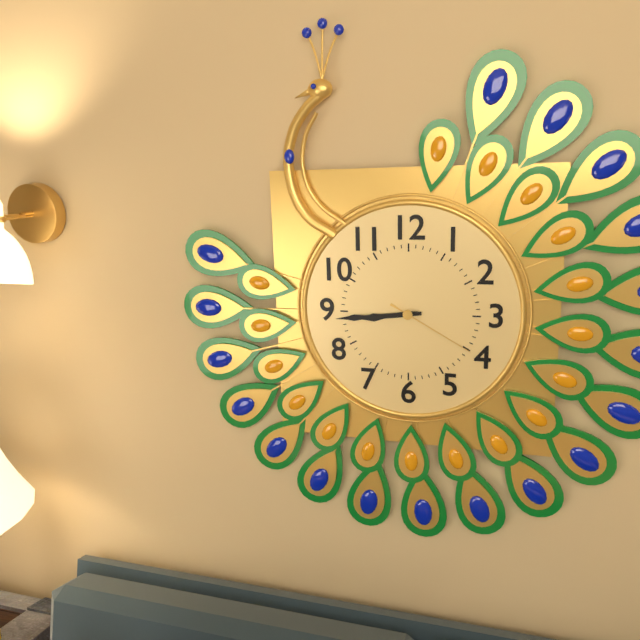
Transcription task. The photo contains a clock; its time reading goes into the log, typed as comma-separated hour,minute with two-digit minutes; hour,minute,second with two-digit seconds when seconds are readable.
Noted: 8,44,20
